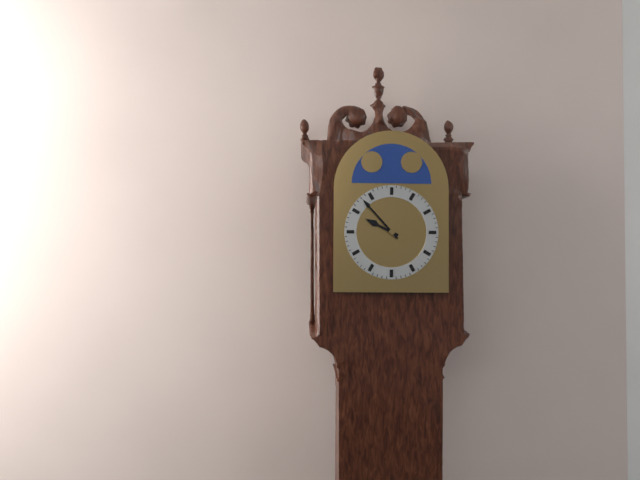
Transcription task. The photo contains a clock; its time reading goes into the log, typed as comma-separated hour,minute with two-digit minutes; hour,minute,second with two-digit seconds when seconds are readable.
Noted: 9,53
